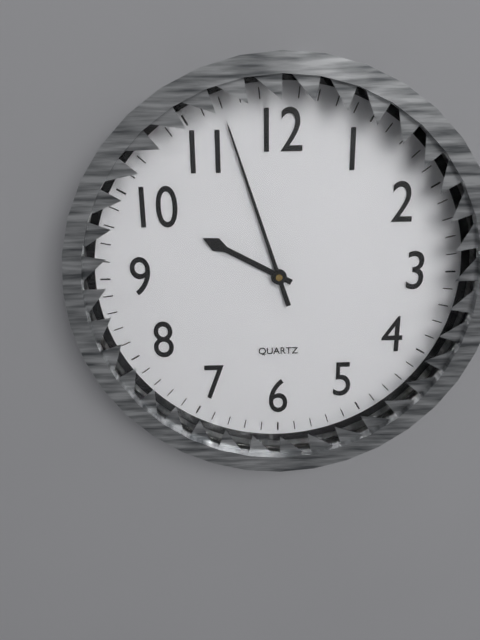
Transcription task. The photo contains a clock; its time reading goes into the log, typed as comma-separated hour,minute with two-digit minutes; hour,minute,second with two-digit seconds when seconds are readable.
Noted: 9,57
